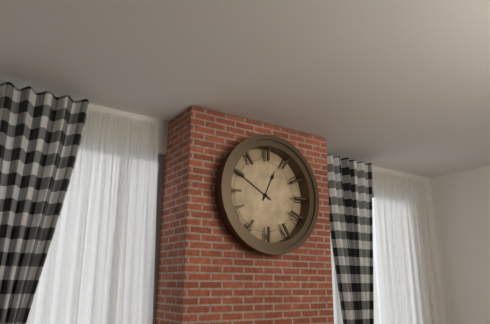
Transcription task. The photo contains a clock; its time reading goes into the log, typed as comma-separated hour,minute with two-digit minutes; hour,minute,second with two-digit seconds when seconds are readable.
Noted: 12,50
